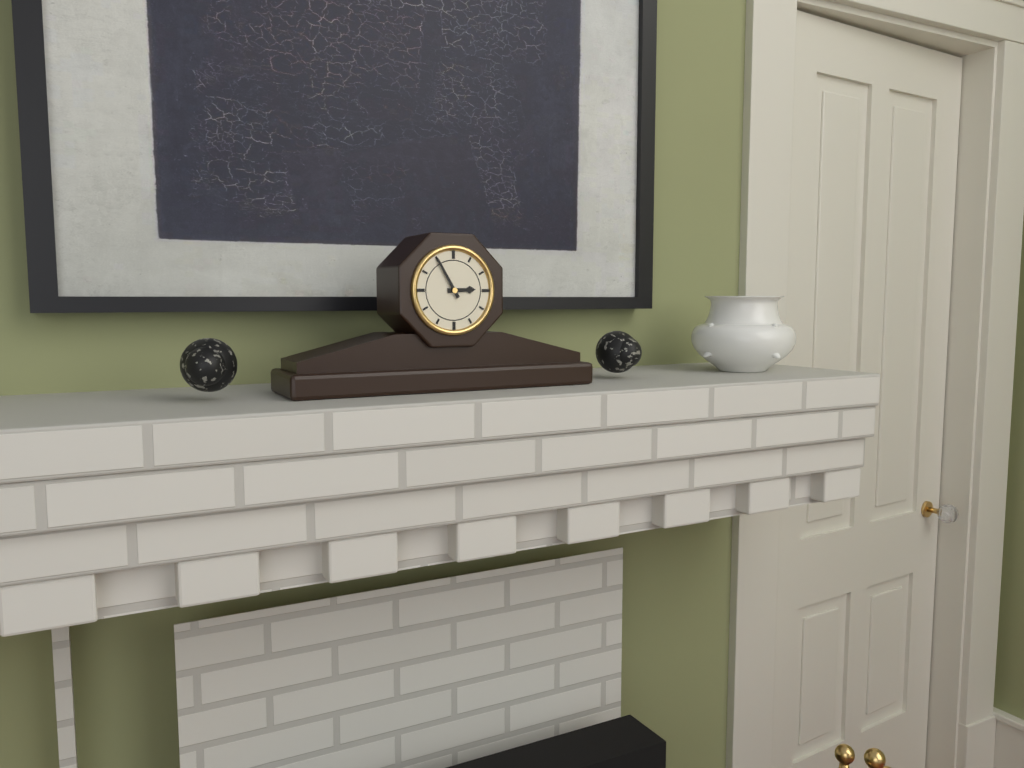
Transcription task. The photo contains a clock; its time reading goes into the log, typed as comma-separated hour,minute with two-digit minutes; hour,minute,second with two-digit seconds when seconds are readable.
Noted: 2,55
